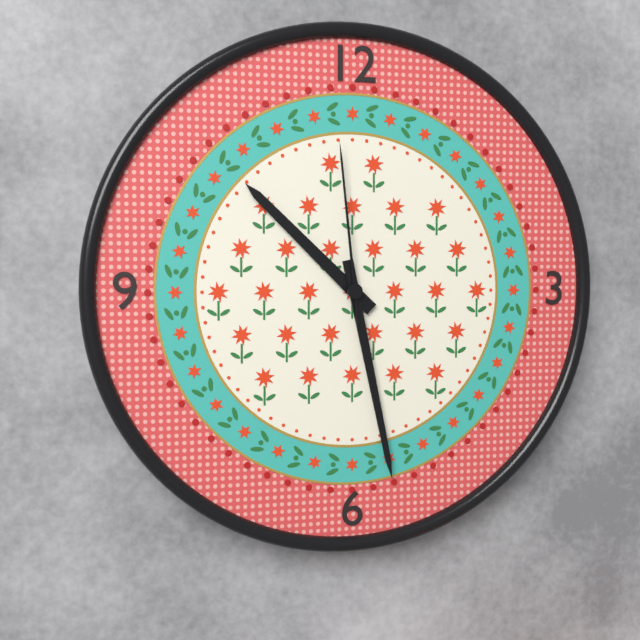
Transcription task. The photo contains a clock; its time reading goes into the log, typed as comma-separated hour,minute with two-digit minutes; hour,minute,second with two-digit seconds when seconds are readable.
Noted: 10,28,59
